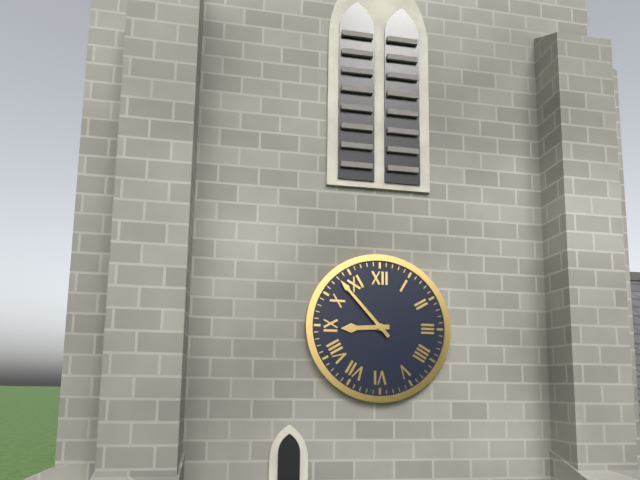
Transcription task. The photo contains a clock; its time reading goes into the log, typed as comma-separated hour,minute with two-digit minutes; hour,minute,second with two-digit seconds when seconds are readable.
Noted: 8,53
